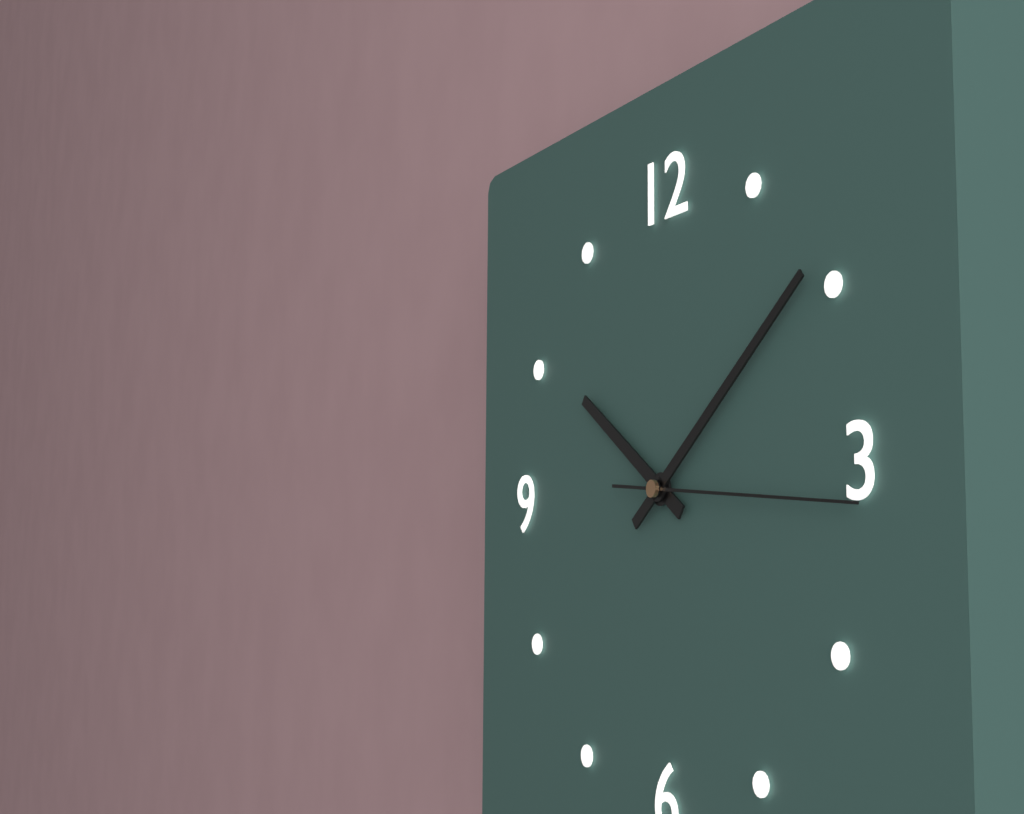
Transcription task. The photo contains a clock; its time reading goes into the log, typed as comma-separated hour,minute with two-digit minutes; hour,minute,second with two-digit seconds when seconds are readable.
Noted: 10,09,16
